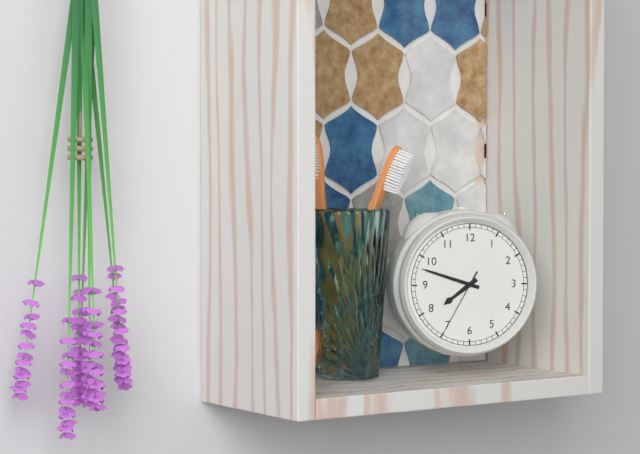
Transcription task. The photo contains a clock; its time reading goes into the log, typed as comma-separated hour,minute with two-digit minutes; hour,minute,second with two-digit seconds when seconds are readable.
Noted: 7,48,35
